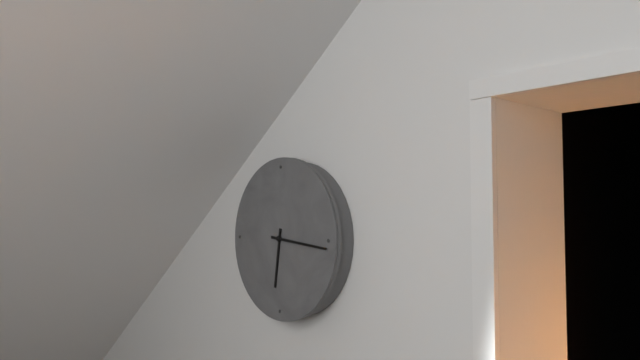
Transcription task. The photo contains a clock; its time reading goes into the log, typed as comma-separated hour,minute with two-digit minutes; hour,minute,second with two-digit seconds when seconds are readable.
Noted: 6,16
